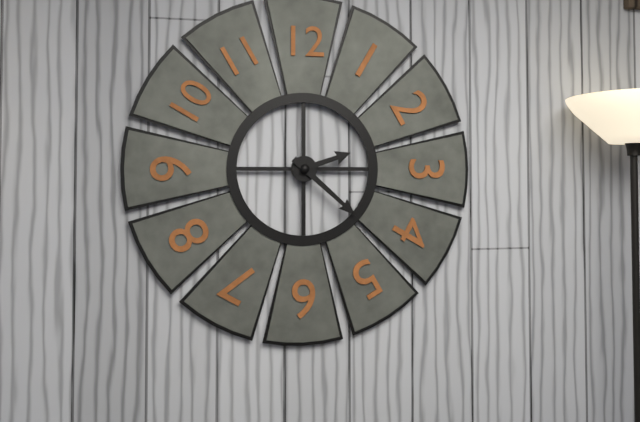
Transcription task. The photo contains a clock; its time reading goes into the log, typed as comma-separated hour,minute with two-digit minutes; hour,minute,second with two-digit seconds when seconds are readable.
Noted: 2,22
